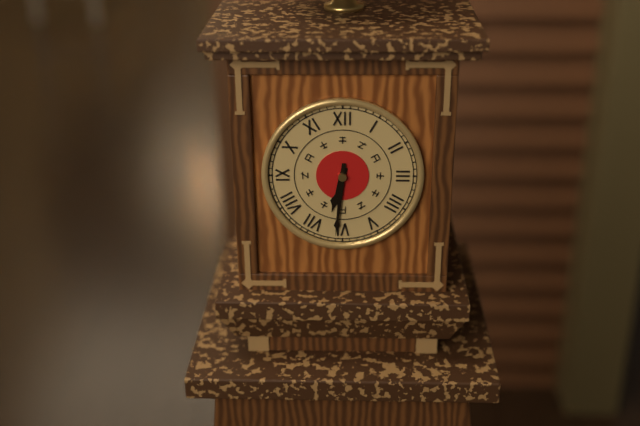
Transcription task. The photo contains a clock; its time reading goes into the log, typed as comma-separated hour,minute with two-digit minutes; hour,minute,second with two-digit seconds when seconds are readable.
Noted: 6,31
